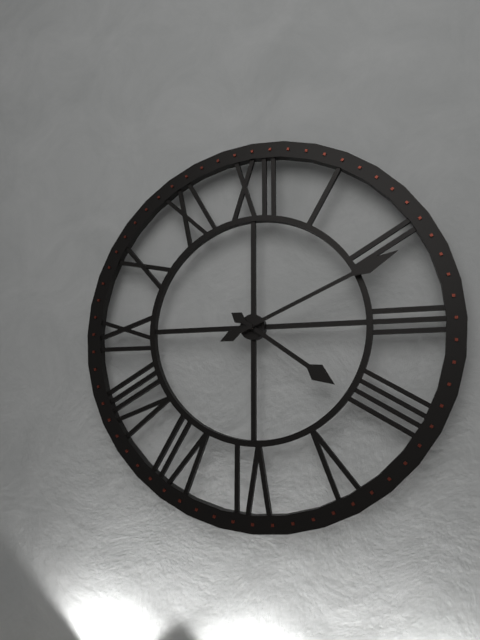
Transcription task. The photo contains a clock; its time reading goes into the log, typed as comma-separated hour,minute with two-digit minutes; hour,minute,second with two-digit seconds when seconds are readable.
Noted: 4,11
